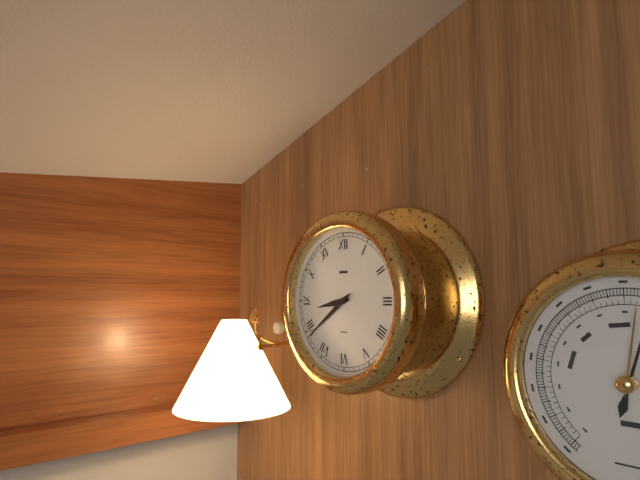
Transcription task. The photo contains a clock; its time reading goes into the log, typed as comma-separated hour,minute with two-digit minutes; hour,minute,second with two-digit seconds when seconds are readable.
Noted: 8,39
